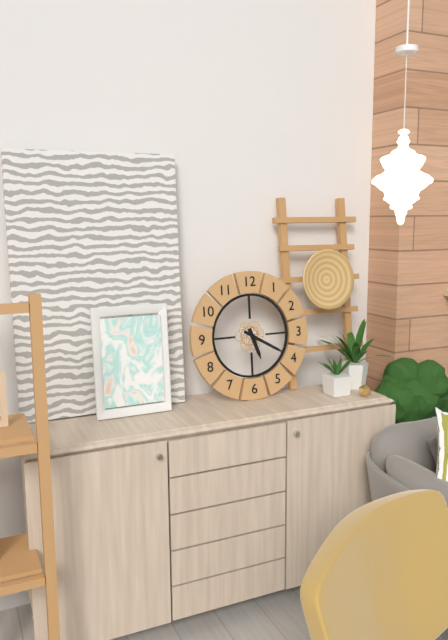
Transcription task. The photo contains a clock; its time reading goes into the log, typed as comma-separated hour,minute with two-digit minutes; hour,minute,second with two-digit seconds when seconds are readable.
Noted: 5,20
